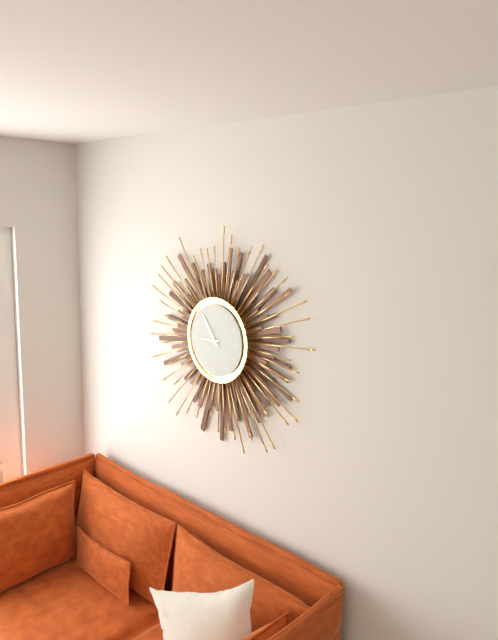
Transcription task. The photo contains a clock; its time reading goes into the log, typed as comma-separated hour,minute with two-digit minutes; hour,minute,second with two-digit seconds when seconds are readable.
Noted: 8,54
